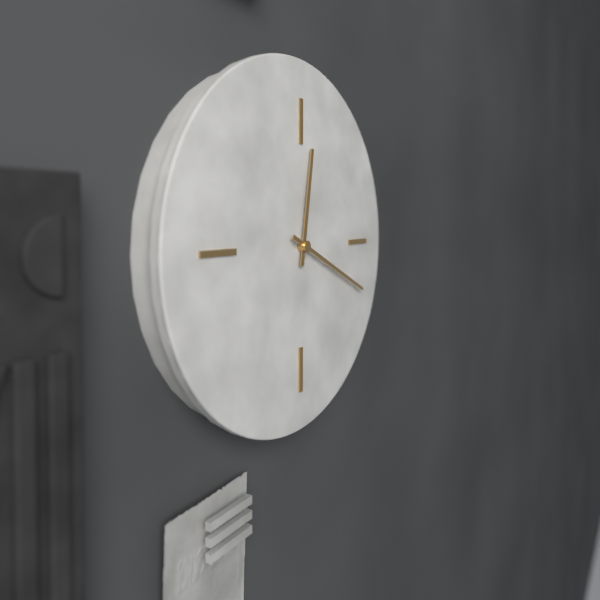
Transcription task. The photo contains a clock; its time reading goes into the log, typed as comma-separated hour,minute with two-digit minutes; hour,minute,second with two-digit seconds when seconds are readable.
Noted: 12,19
